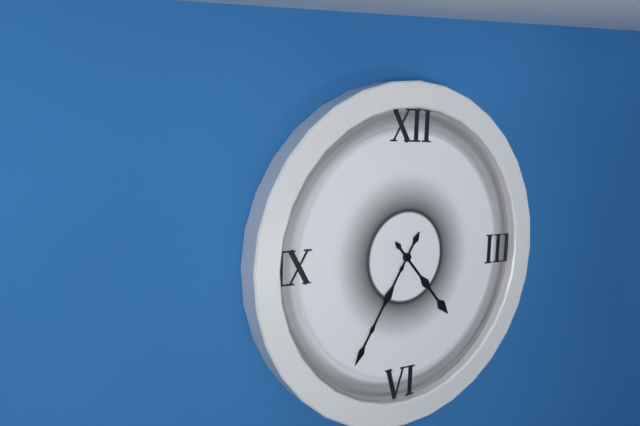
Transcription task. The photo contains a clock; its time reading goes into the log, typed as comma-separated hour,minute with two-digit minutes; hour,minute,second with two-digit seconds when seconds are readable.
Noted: 4,35
